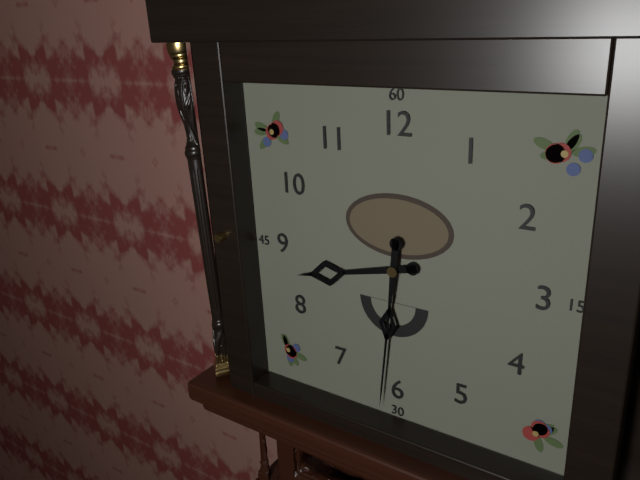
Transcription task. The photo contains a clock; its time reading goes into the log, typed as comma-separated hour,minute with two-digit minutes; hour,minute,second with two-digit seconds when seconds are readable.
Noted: 8,31
